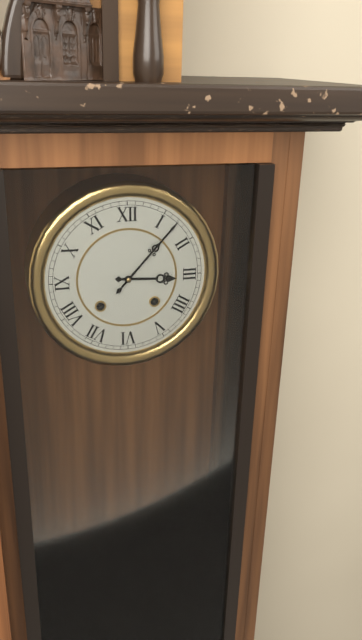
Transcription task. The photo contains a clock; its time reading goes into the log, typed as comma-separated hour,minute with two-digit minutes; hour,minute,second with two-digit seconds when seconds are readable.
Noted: 3,07
